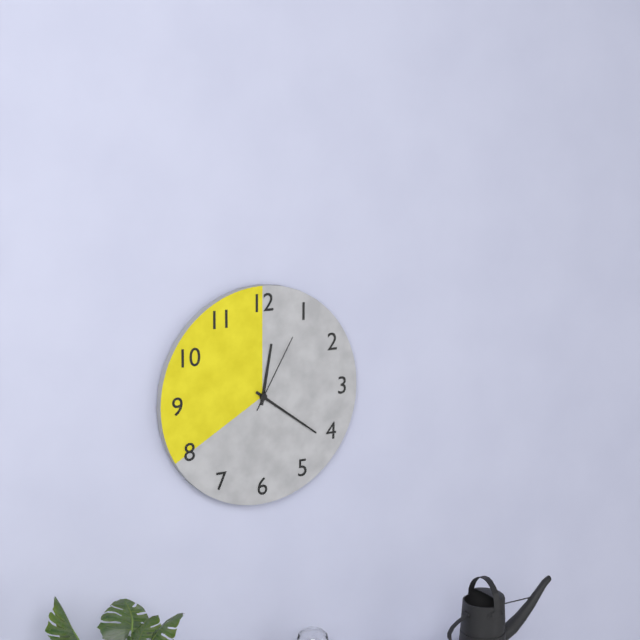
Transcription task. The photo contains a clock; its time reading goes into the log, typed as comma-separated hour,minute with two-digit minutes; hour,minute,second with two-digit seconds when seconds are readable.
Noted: 12,21,05
